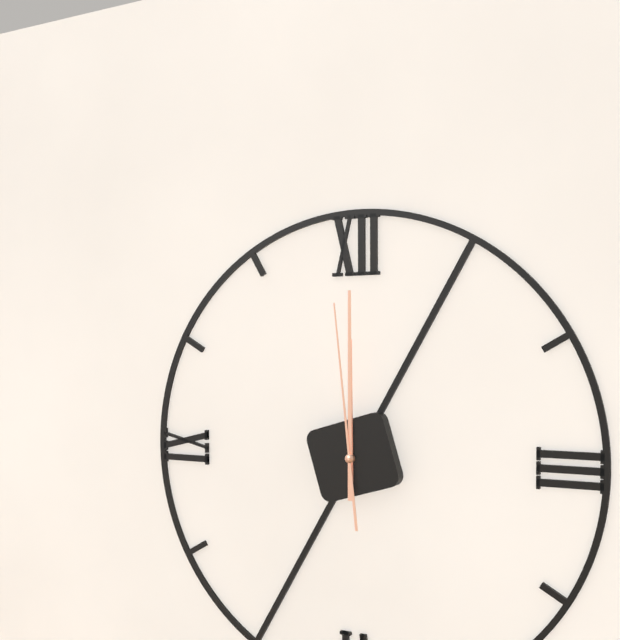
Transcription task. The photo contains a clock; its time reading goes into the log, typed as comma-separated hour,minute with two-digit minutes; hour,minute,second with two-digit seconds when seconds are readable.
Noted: 12,00,59
